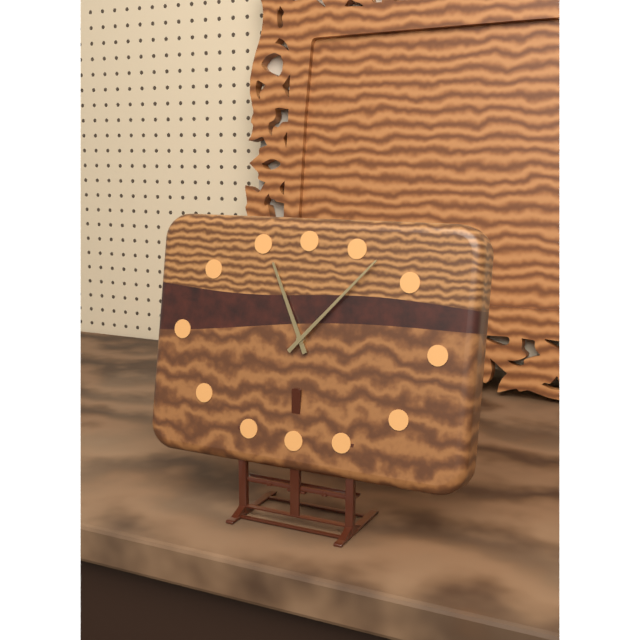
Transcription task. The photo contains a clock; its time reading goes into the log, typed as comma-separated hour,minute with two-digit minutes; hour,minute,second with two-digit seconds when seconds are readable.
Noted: 11,07
